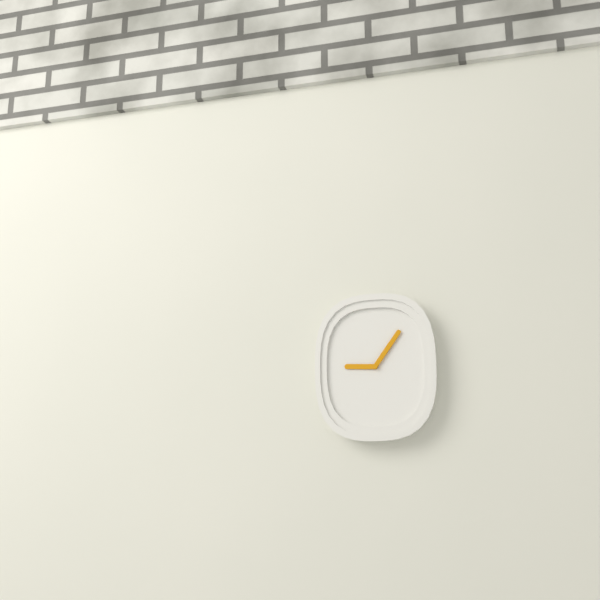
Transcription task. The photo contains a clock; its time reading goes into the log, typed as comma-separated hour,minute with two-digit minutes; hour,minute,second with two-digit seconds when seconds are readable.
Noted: 9,06
